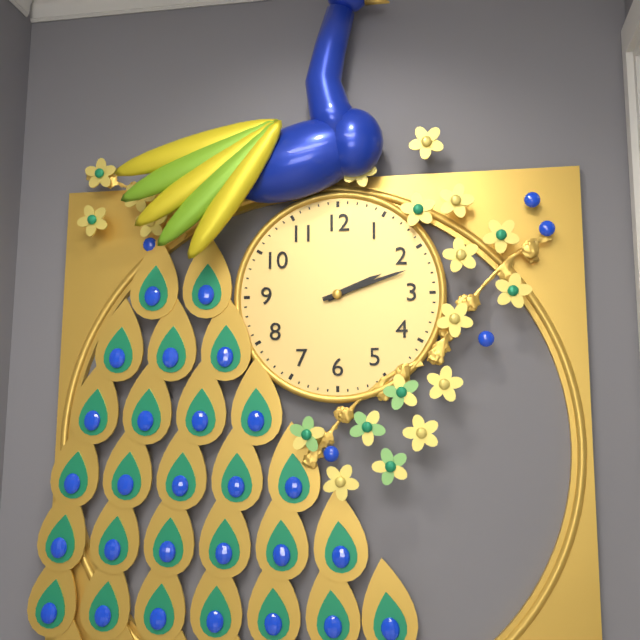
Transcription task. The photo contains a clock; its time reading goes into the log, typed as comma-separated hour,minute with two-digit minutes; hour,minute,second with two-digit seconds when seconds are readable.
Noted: 2,12
